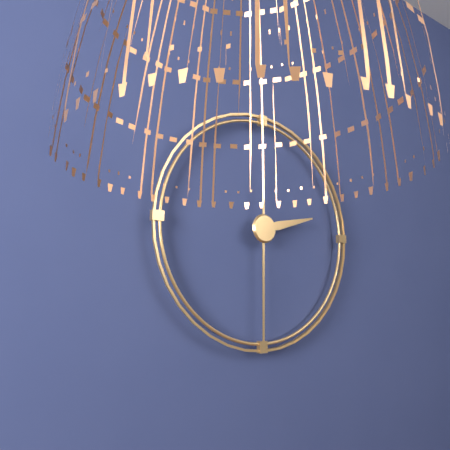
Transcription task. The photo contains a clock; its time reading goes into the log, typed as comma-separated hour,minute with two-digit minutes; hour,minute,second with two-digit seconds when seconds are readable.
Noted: 2,30
